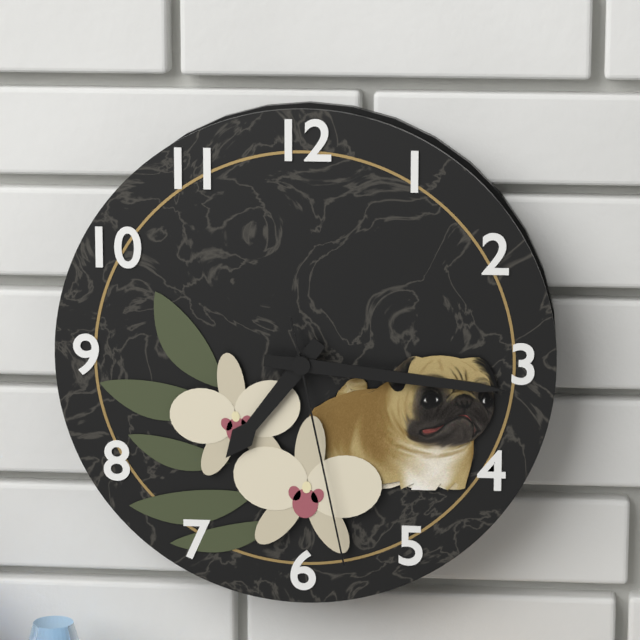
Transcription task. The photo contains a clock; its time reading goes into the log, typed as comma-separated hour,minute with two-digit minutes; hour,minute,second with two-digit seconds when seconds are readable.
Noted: 7,16,28
